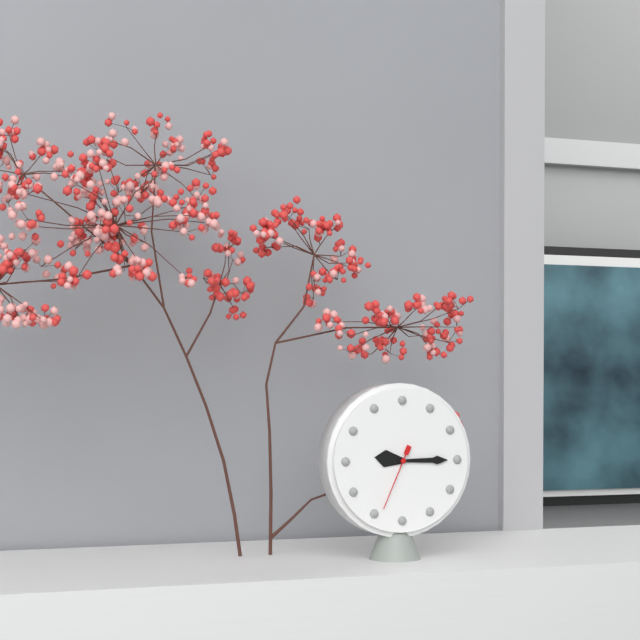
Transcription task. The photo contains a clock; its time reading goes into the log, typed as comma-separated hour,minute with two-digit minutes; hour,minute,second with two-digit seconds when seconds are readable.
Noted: 9,15,34
